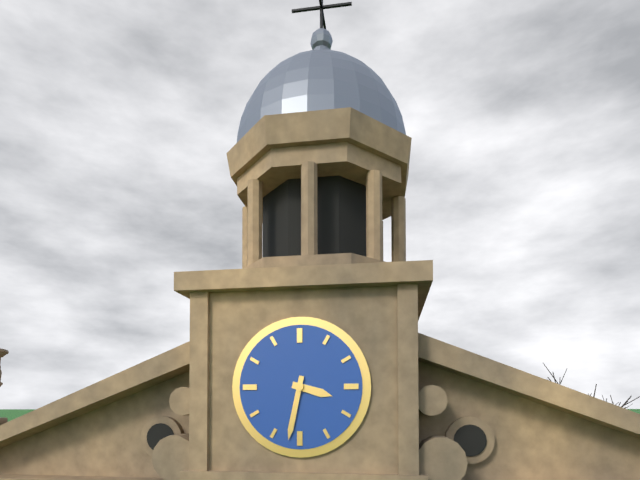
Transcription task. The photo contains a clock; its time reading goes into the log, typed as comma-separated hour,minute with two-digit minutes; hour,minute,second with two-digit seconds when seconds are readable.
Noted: 3,32
